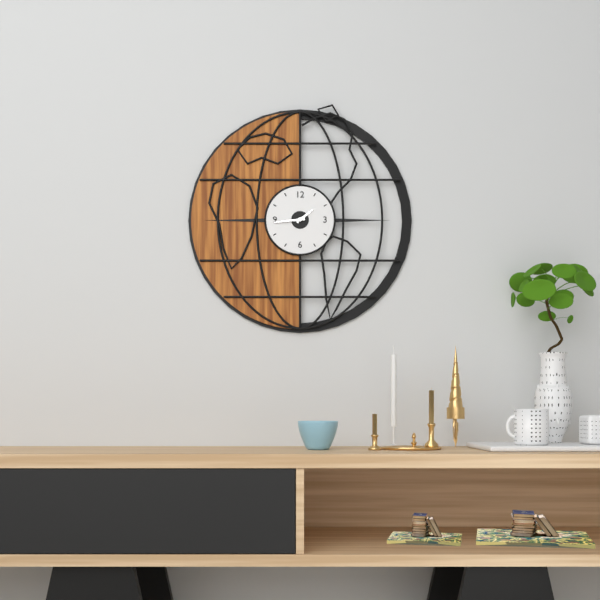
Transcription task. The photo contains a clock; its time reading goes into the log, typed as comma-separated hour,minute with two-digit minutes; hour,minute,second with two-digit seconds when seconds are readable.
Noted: 1,44
